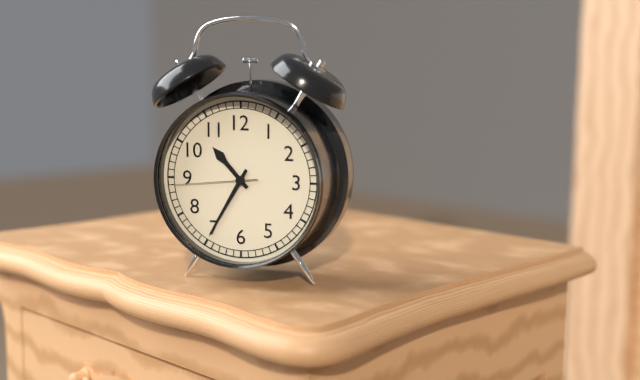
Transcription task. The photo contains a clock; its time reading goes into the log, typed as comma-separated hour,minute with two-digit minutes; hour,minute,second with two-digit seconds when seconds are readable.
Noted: 10,35,44
